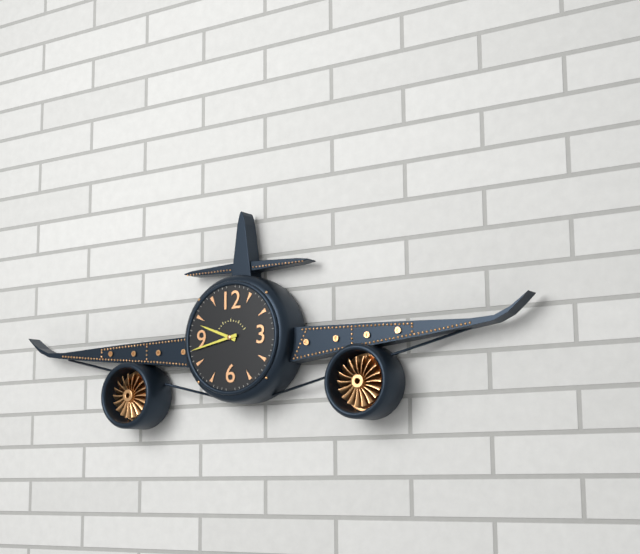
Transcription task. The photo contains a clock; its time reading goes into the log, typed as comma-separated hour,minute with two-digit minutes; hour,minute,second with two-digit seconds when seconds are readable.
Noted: 9,43
